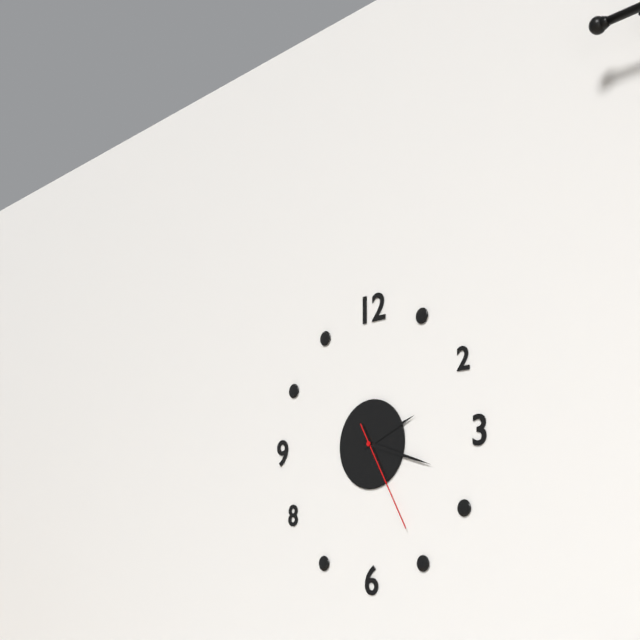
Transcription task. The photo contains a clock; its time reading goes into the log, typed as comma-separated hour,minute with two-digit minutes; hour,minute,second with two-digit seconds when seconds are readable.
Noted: 2,18,25
